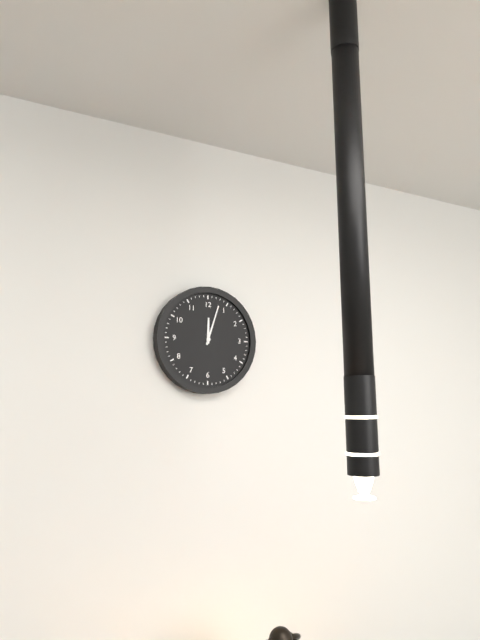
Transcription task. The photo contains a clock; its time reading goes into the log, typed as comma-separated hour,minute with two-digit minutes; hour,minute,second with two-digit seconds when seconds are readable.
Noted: 12,03
